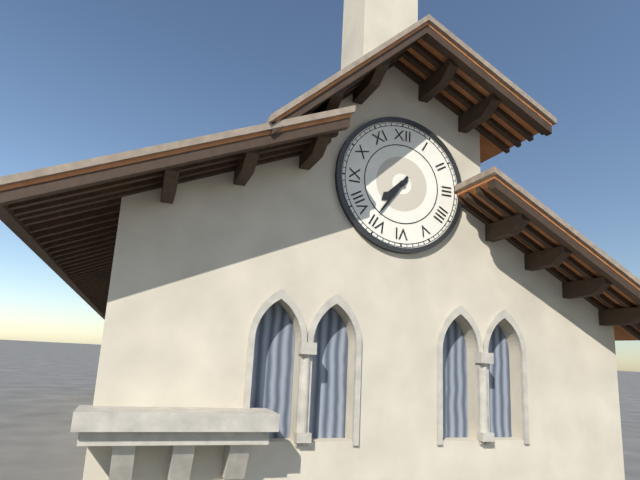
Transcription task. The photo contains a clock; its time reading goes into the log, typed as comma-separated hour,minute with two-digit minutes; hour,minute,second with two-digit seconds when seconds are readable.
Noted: 7,36
